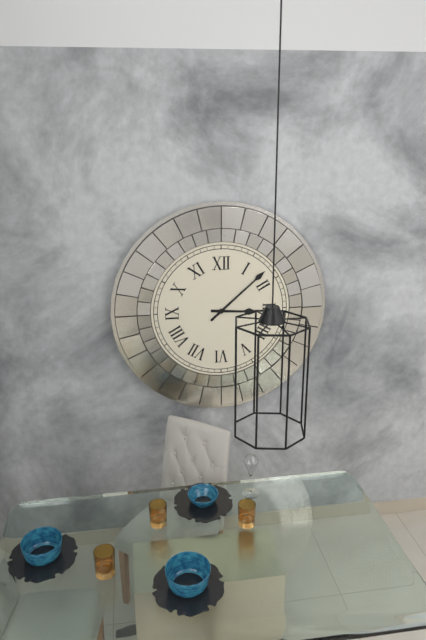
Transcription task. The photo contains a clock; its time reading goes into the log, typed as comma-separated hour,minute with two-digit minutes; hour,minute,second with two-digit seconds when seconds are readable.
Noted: 3,08
